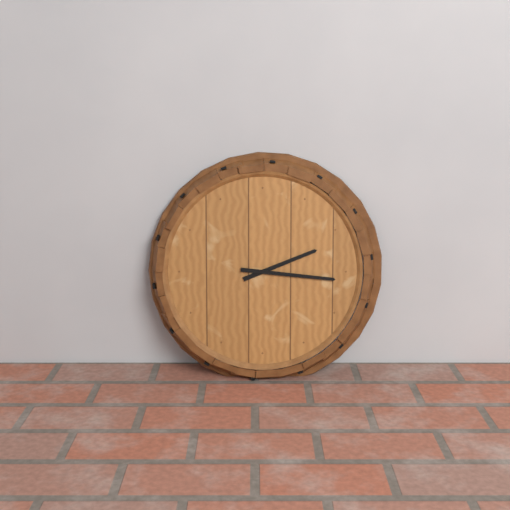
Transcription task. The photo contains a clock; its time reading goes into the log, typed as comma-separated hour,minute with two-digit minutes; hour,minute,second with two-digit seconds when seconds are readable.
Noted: 2,16
